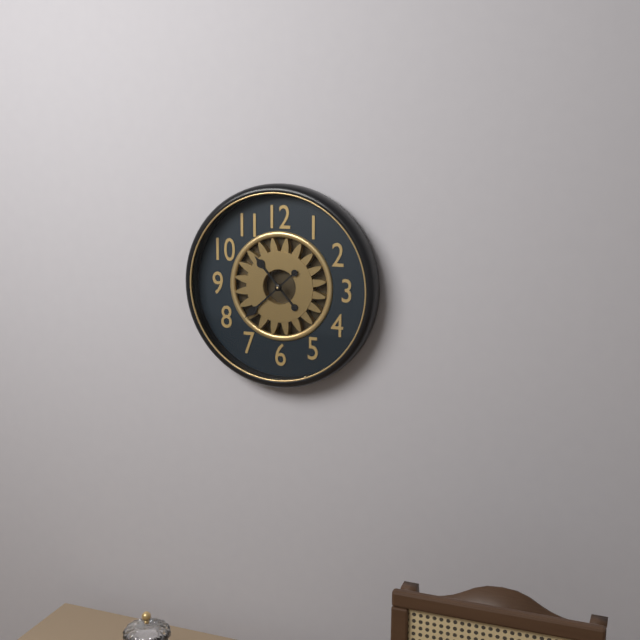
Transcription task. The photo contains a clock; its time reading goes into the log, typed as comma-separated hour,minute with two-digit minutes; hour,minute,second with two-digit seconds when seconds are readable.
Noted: 10,38
